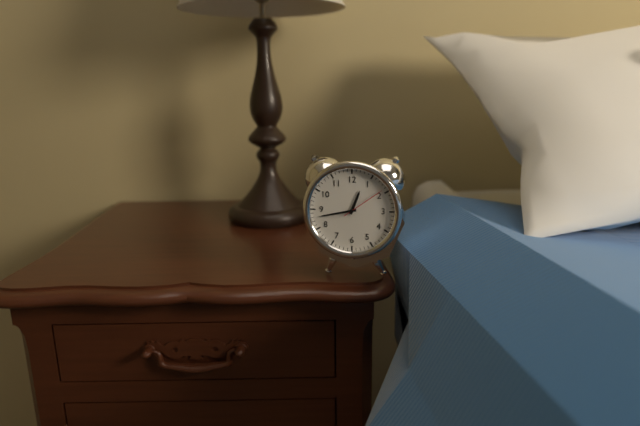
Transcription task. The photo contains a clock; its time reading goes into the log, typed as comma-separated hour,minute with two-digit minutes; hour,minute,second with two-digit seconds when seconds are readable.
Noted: 12,43
